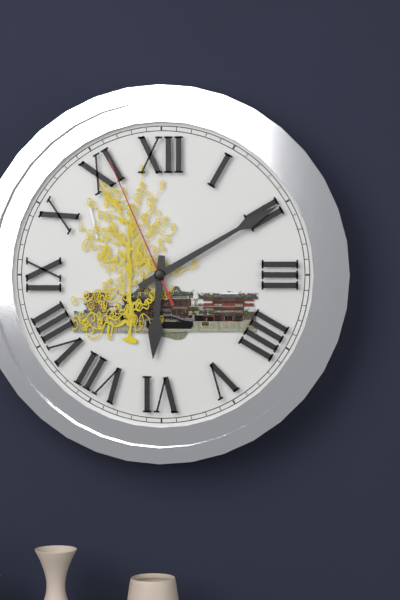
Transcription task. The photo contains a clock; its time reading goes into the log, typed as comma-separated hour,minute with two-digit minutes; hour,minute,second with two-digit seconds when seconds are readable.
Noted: 6,10,56
